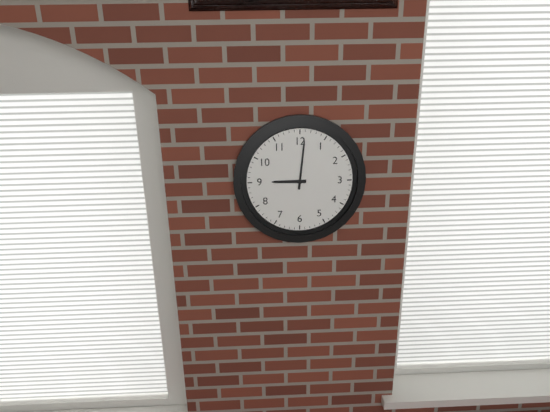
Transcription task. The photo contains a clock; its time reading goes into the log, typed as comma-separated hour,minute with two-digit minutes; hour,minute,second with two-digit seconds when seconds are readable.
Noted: 9,01
